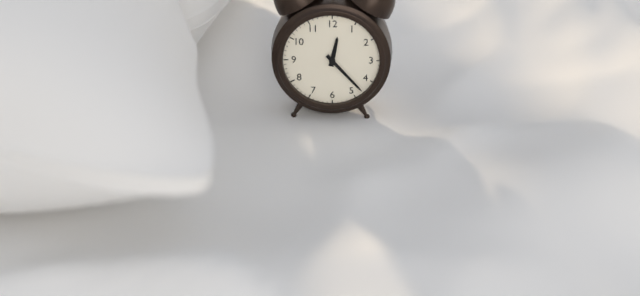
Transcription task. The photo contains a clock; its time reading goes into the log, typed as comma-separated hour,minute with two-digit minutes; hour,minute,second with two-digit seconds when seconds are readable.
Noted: 12,23
